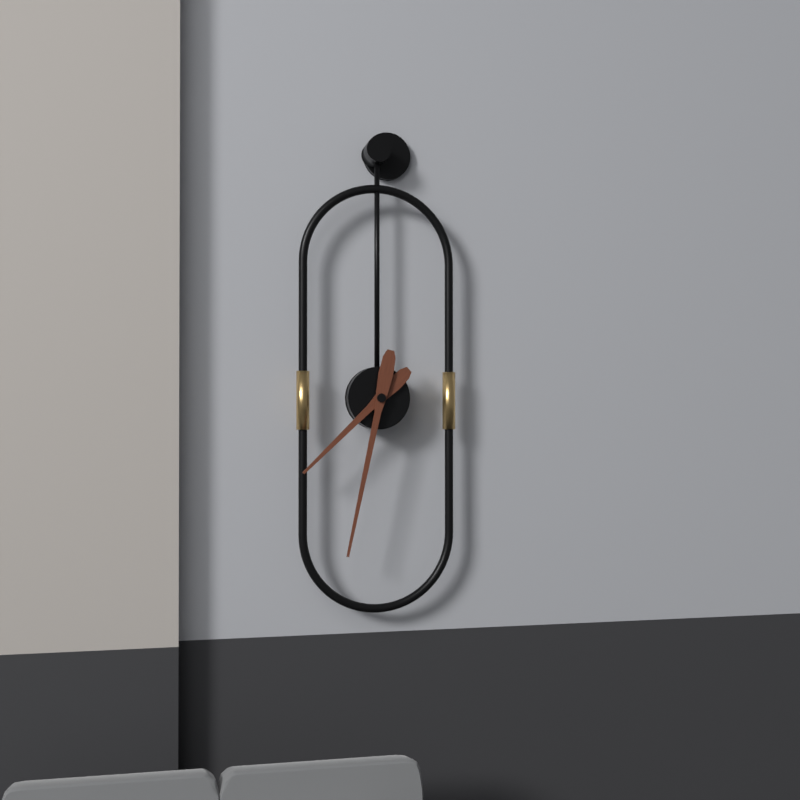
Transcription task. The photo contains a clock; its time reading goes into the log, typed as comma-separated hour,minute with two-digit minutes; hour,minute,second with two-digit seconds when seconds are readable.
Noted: 7,32
